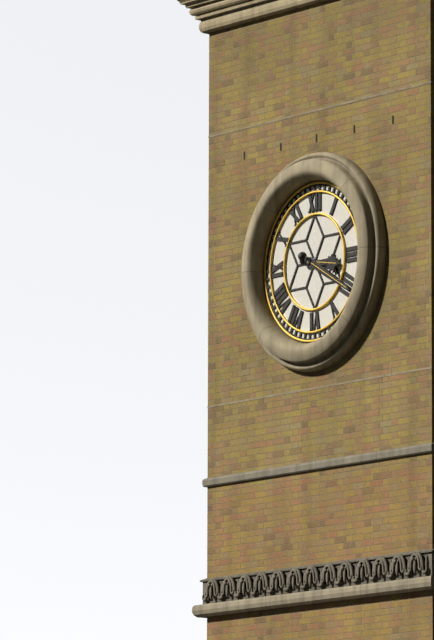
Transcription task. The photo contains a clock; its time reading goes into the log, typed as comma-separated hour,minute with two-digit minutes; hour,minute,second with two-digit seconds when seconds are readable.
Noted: 3,20
